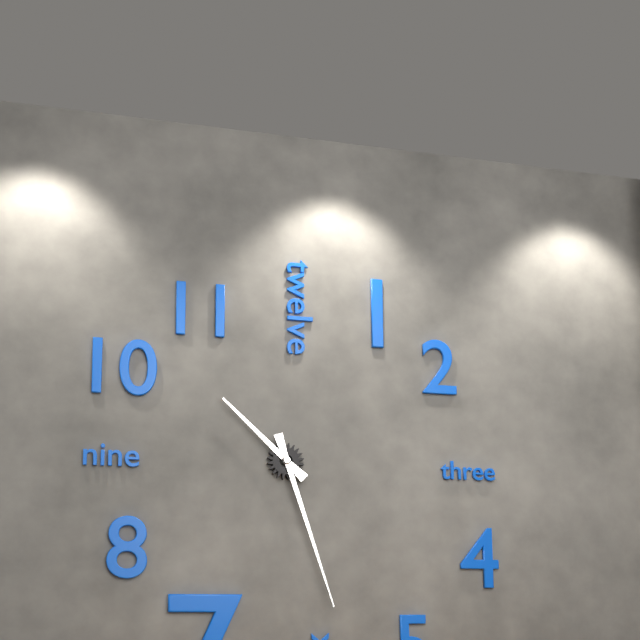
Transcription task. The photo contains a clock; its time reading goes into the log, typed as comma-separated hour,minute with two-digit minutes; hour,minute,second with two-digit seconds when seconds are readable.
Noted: 10,27
